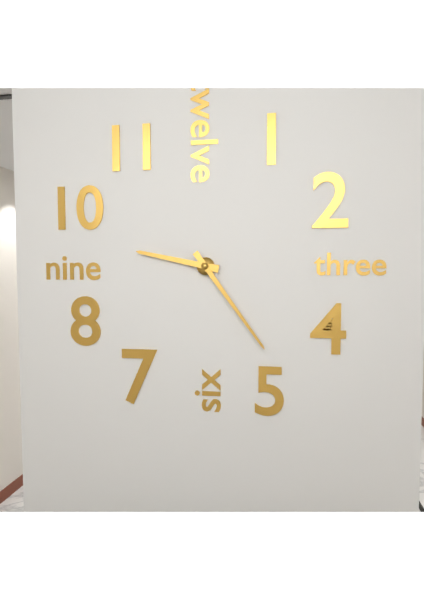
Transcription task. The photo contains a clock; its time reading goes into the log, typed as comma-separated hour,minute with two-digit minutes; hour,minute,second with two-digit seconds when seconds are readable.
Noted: 9,24
